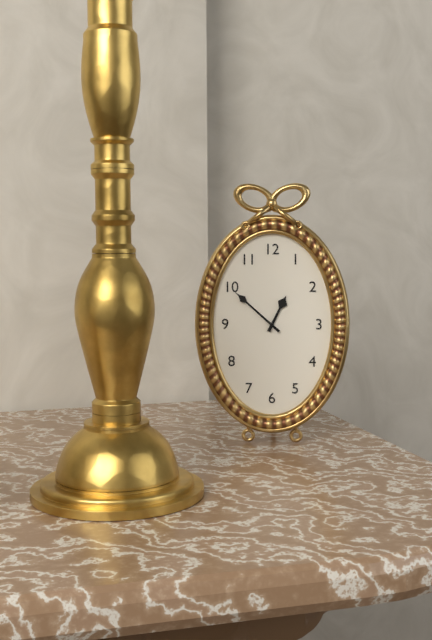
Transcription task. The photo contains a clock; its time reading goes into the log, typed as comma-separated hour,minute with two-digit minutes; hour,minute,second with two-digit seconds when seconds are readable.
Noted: 12,52
